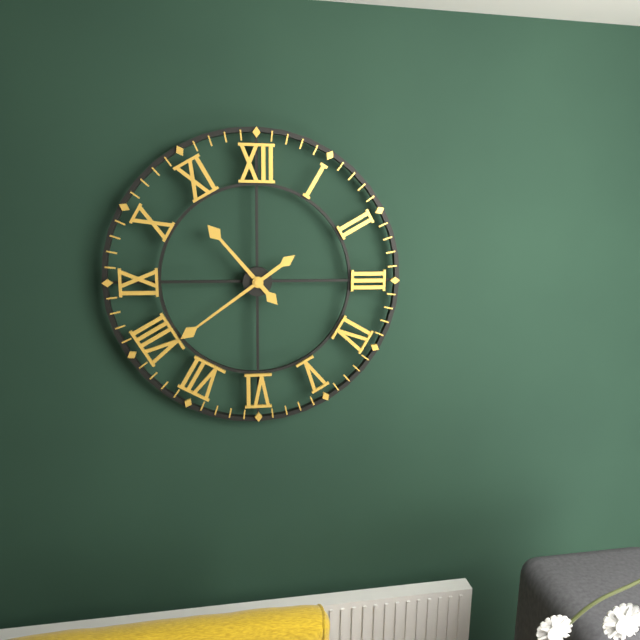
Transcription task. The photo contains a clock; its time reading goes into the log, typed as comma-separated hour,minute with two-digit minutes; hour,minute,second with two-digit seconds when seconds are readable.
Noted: 10,39
